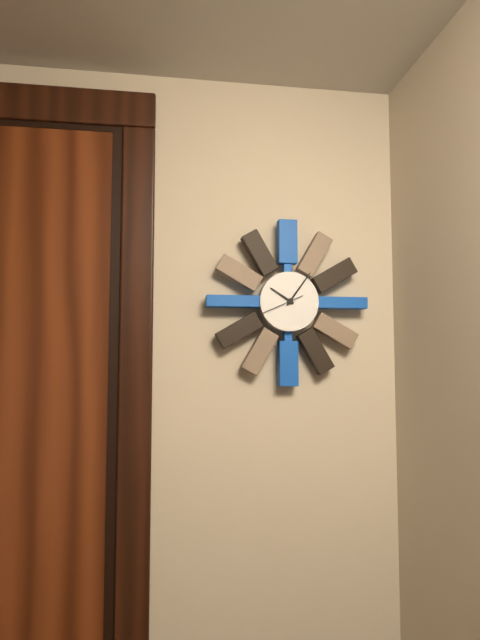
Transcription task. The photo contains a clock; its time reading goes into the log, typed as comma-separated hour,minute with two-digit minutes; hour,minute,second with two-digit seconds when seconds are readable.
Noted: 10,06
